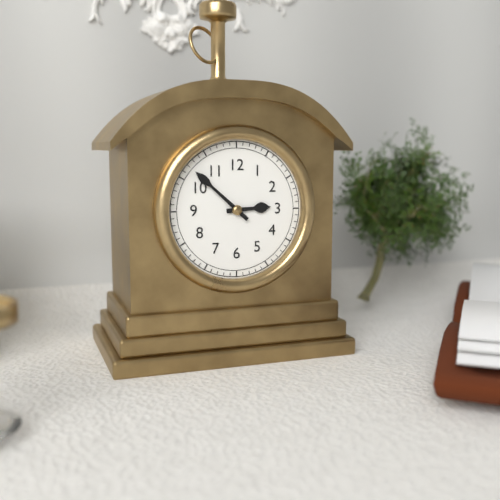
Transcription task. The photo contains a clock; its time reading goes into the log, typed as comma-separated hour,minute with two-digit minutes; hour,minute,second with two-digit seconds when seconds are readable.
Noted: 2,52
